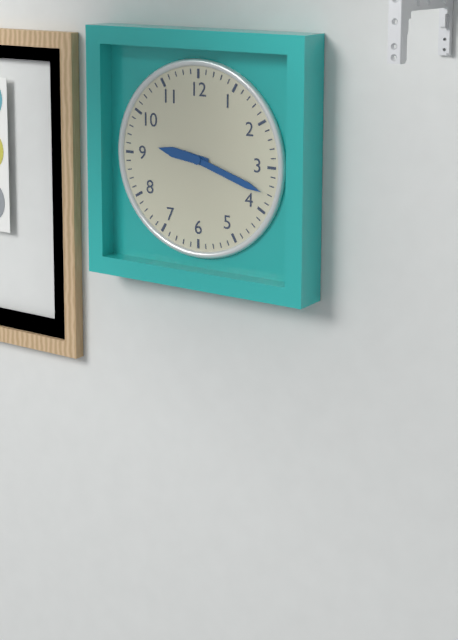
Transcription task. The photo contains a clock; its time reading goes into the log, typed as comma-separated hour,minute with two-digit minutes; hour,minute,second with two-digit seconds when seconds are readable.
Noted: 9,18
